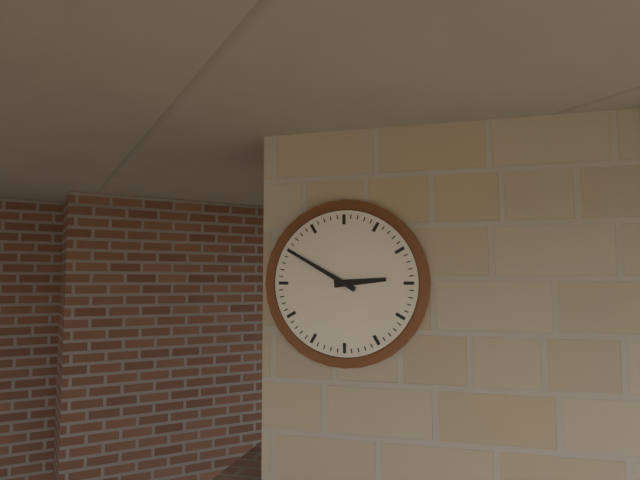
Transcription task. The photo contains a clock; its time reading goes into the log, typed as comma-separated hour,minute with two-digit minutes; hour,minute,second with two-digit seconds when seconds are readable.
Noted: 2,50
